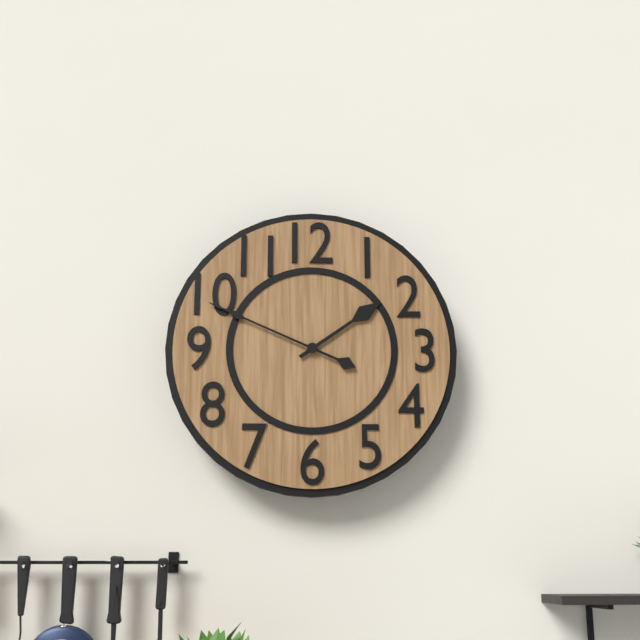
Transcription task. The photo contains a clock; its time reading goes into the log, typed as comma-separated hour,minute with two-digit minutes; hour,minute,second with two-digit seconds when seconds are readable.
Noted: 1,49
